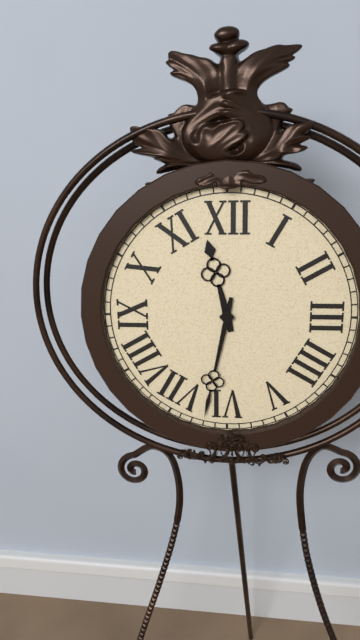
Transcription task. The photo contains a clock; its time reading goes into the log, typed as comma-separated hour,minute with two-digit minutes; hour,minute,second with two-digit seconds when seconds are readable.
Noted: 11,32
